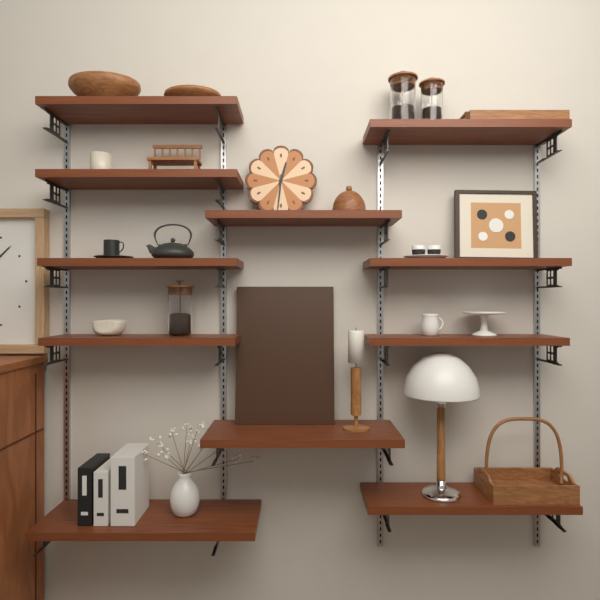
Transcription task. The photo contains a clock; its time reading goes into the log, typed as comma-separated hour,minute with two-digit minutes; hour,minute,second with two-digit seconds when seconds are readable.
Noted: 12,31
